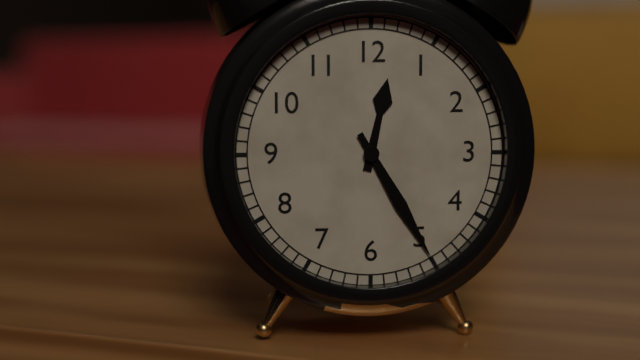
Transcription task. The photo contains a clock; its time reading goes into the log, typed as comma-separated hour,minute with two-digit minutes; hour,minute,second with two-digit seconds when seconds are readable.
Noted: 12,25
